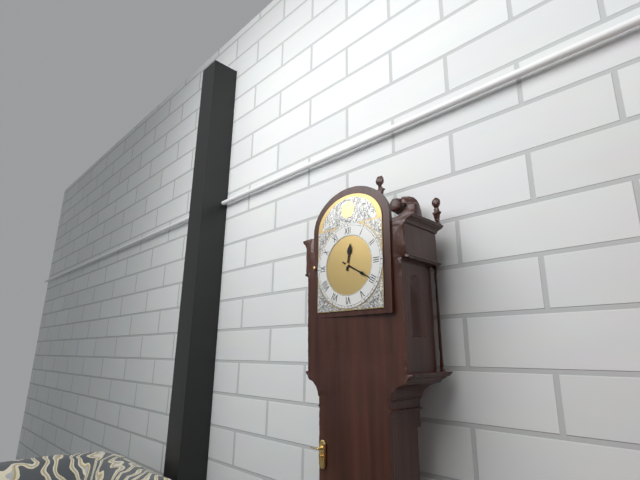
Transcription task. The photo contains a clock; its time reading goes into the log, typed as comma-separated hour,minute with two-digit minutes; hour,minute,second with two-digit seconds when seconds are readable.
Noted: 12,20
